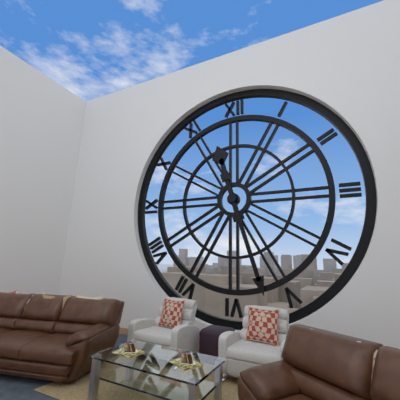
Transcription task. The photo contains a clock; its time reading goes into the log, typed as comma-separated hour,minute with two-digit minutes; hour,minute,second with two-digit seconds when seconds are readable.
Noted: 11,27
